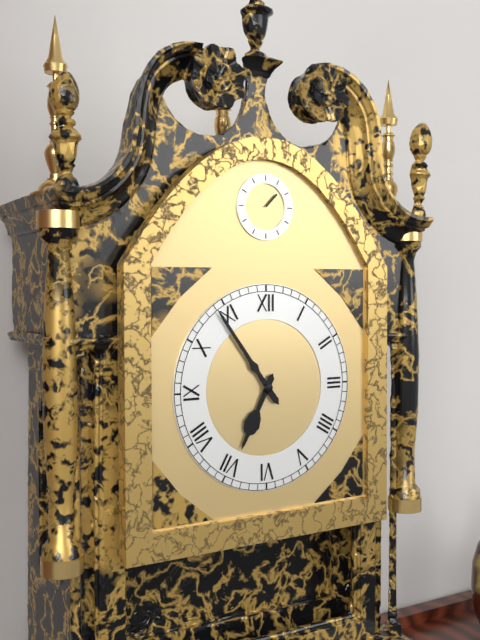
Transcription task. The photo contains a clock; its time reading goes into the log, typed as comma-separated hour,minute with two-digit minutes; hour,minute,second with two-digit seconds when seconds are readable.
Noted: 6,54
